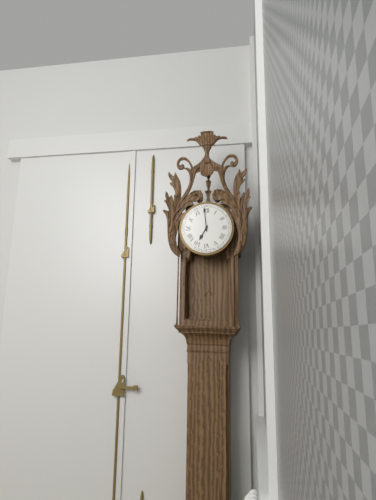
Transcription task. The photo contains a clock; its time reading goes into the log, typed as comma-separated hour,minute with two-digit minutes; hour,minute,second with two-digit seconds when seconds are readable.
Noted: 6,59
